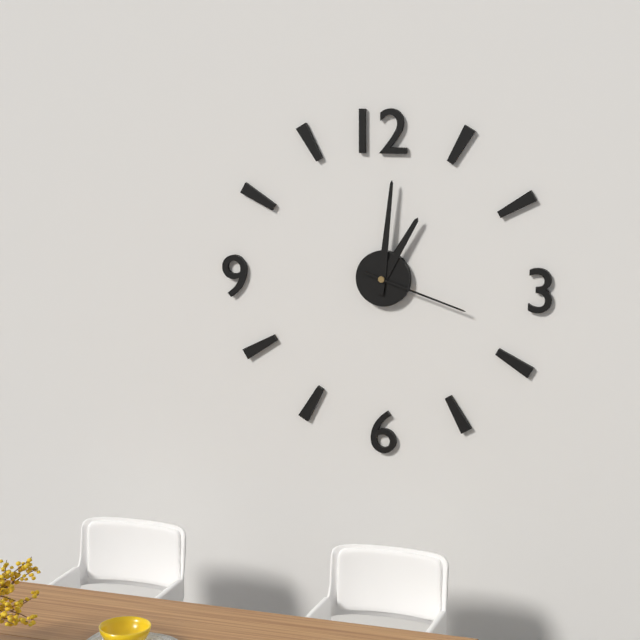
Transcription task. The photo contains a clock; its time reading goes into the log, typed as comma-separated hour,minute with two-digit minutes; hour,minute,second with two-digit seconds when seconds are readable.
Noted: 1,01,18
